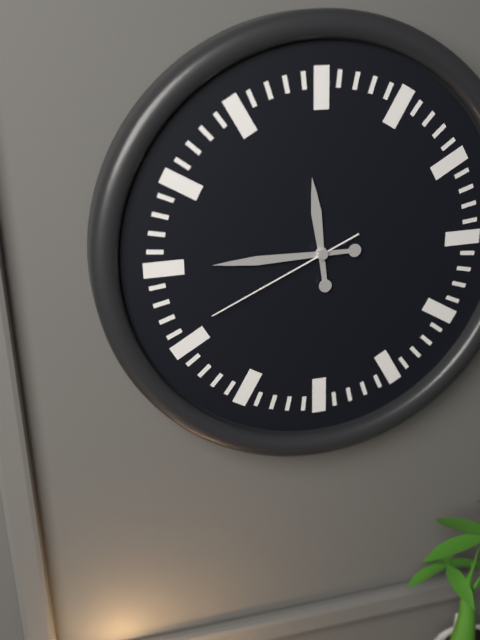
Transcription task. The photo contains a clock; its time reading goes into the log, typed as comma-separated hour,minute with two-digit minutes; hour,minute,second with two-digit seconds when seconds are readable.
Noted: 11,45,41
